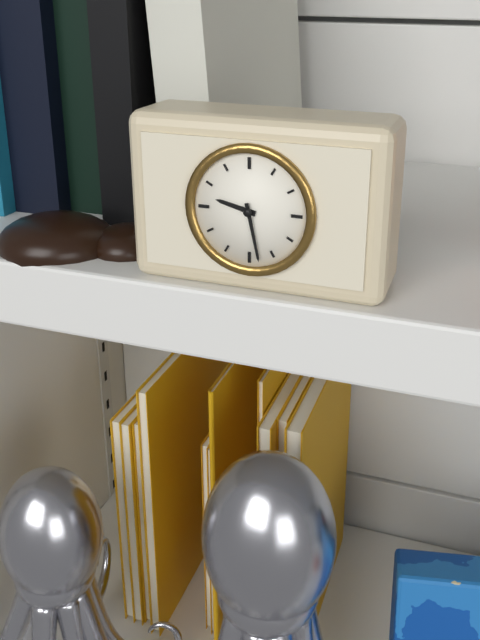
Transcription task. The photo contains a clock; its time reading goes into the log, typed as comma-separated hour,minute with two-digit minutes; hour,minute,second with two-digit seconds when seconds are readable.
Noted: 9,28
